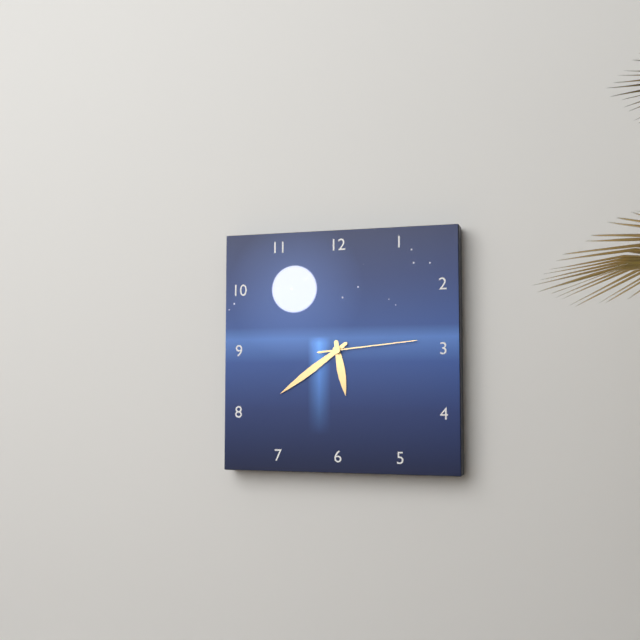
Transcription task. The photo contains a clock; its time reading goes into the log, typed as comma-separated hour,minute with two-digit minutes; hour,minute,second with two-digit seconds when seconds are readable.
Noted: 5,39,14
